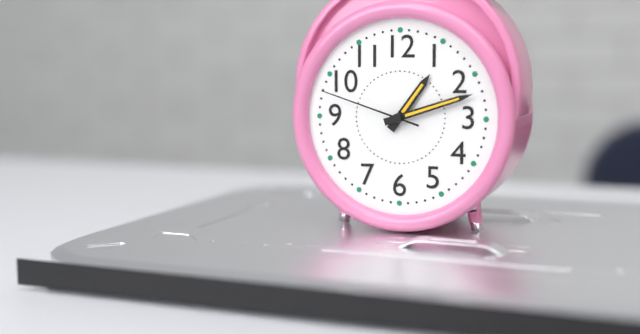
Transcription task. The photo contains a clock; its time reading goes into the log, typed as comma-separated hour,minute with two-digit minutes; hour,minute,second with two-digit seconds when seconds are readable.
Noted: 1,12,48
